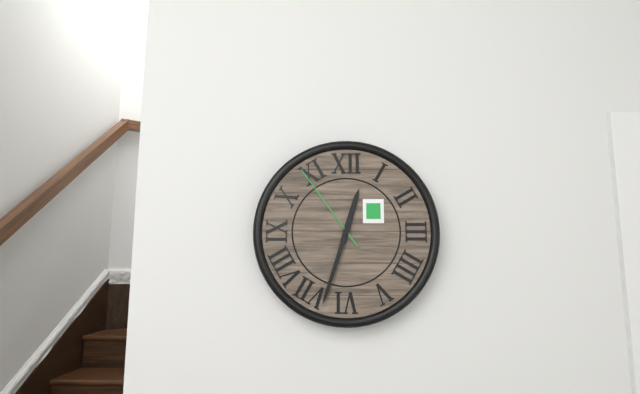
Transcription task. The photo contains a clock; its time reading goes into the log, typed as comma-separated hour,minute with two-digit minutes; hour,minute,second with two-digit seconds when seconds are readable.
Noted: 12,33,54
